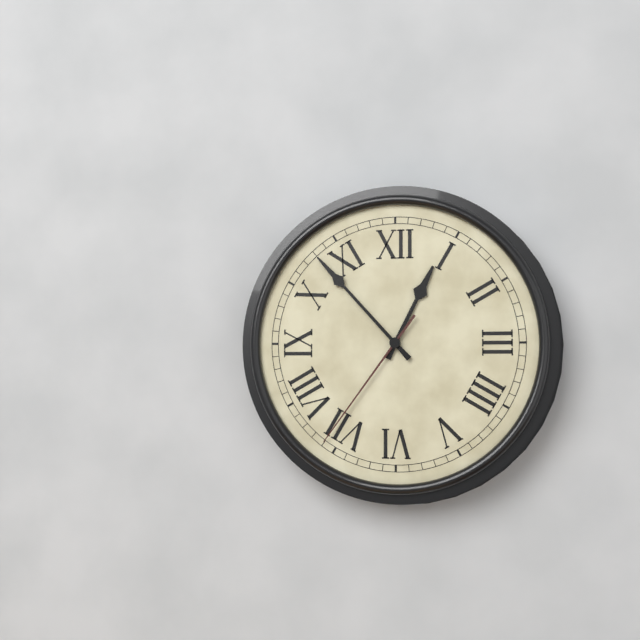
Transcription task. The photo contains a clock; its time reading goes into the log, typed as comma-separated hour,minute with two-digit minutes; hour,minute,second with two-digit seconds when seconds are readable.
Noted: 12,53,36
